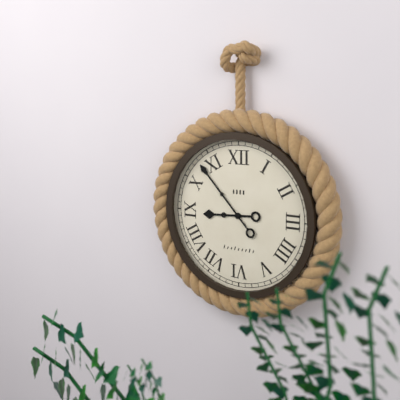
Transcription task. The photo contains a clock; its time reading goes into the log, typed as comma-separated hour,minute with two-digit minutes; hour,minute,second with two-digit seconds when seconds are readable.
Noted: 8,53
